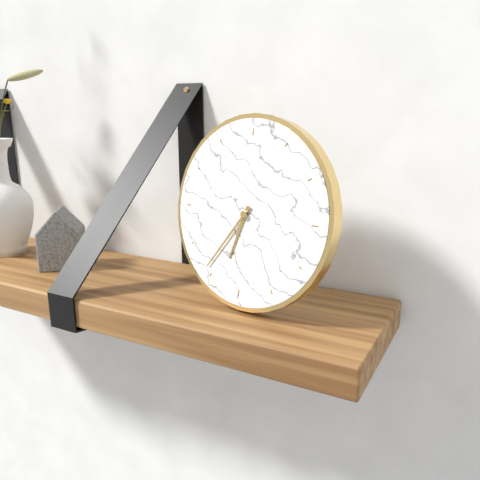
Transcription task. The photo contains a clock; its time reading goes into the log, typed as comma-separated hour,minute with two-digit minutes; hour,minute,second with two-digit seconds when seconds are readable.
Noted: 6,36
